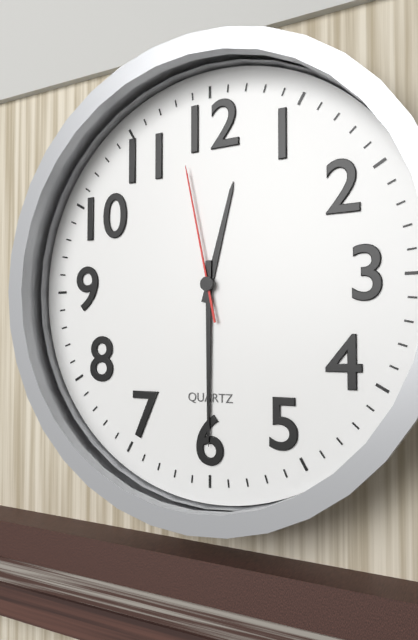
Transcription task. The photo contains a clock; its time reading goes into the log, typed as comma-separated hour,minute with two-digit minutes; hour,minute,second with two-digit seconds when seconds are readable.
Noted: 12,30,58
